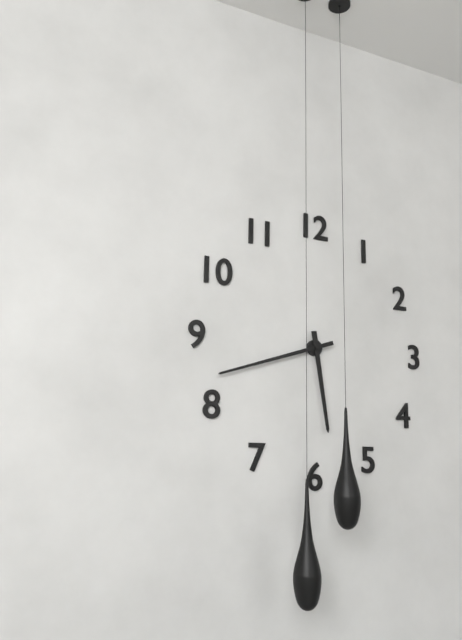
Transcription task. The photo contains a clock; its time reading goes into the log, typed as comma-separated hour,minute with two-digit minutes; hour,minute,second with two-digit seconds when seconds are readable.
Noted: 5,42
